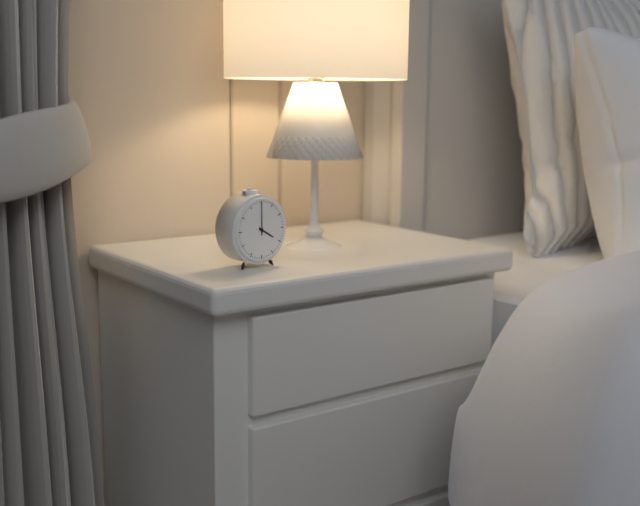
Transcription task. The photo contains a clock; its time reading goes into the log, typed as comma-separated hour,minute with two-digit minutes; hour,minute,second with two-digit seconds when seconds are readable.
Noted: 4,00
